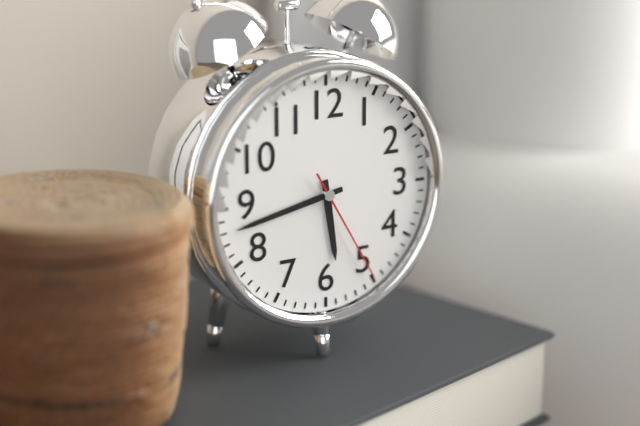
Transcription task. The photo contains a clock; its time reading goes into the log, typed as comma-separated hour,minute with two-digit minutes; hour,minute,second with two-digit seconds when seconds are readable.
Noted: 5,43,25
